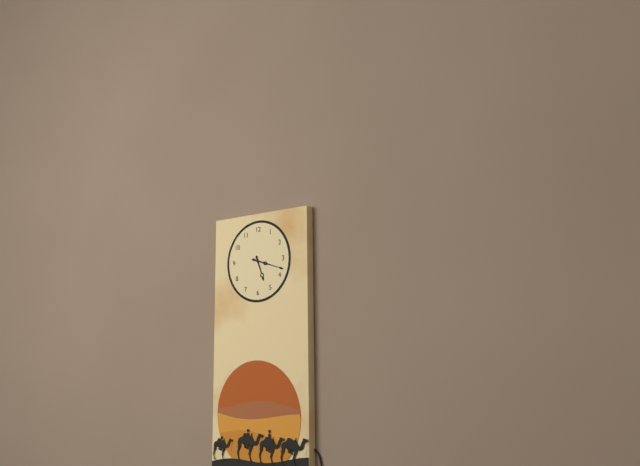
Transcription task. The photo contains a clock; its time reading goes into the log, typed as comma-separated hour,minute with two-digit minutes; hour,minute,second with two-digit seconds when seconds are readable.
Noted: 5,18
